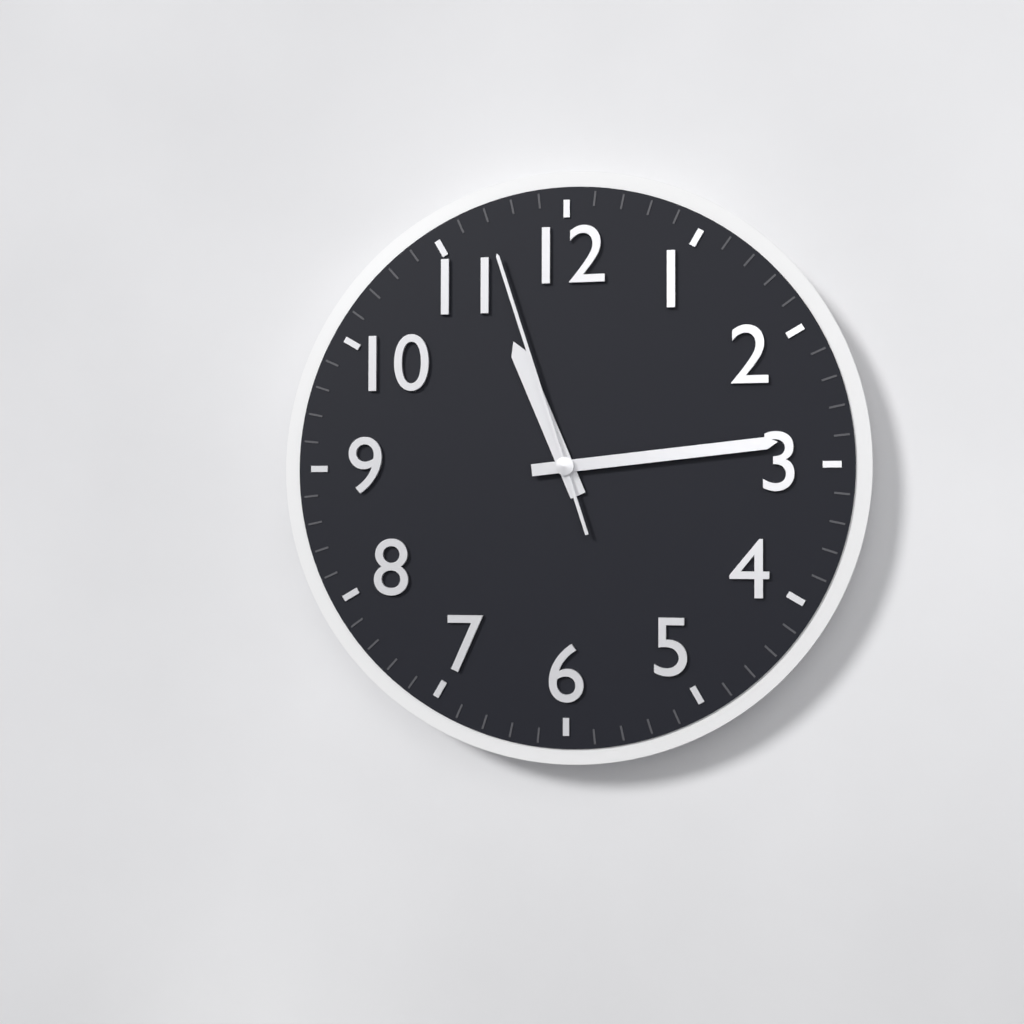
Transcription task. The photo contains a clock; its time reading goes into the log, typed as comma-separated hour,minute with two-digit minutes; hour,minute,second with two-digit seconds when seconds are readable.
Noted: 11,14,57
